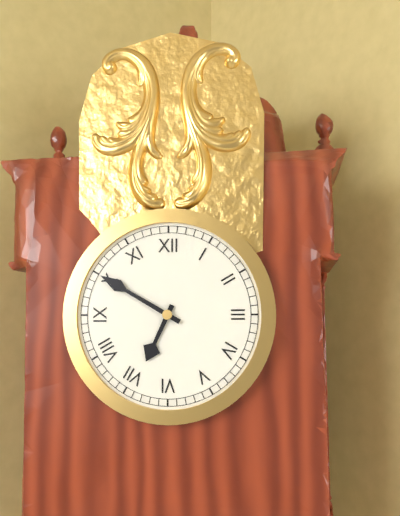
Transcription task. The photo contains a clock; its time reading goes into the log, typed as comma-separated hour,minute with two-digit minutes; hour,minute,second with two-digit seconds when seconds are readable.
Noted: 6,50
